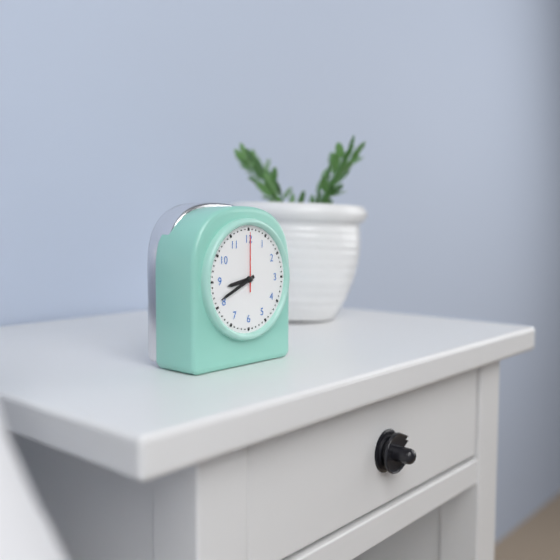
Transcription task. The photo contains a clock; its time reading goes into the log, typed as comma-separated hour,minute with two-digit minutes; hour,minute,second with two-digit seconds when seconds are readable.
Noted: 8,41,00
